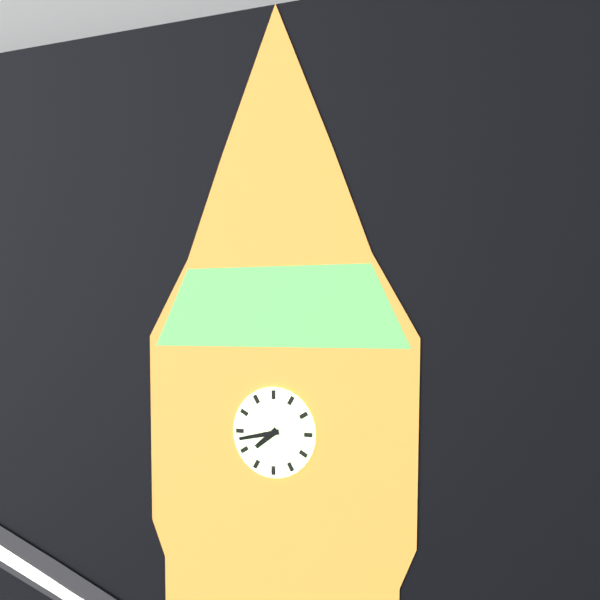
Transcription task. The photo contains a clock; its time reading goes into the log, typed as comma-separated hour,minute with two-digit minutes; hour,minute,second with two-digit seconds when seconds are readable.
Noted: 7,43
